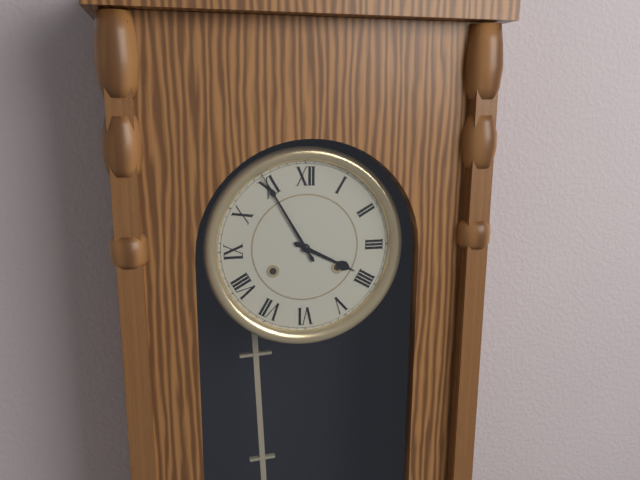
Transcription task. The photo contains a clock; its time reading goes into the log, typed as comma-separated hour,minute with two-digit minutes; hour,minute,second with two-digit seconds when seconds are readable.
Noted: 3,55
